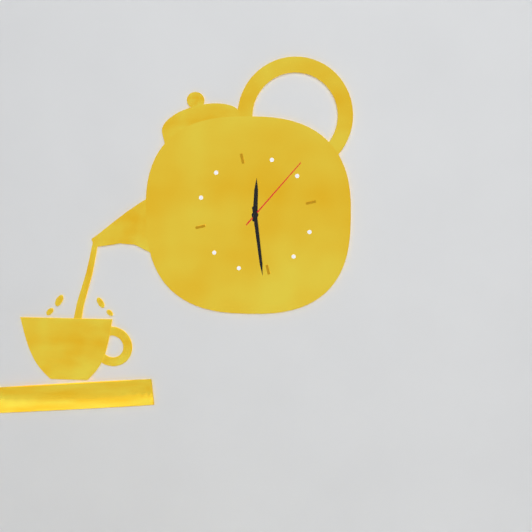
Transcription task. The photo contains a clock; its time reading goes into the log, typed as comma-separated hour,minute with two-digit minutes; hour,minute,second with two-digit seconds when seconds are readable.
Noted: 12,31,09
